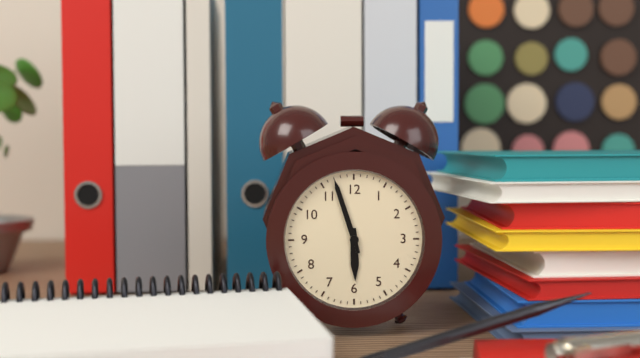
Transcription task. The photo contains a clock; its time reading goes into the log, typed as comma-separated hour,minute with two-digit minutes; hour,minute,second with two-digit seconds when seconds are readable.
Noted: 5,57
